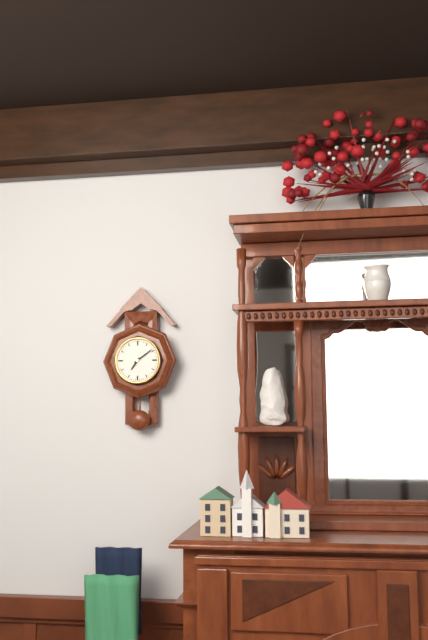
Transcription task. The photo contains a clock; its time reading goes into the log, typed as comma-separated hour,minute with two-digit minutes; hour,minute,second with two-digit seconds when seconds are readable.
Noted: 7,09
